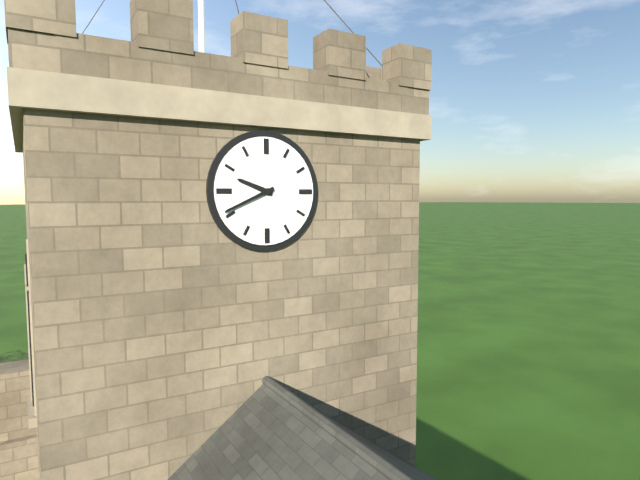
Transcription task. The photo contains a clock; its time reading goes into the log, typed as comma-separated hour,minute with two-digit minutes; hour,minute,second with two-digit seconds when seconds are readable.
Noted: 9,41
